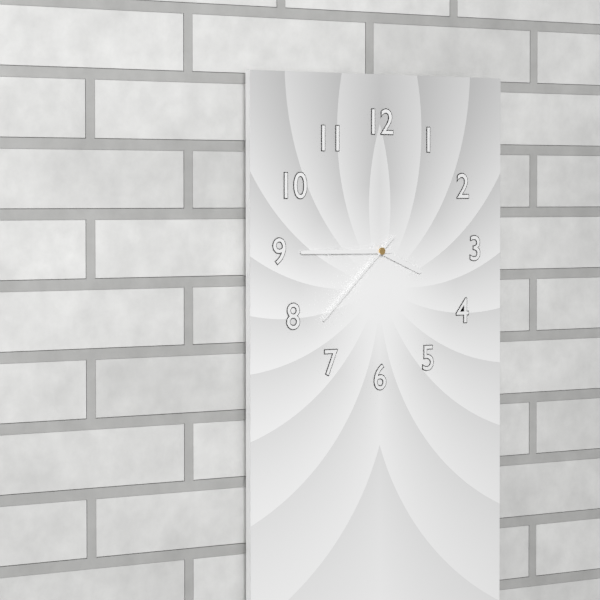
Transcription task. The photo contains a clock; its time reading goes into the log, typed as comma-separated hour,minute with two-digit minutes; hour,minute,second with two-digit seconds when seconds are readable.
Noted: 3,45,38
